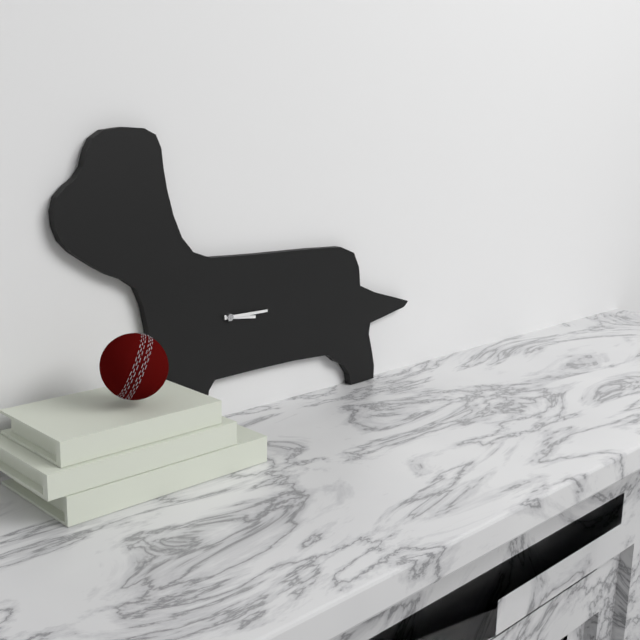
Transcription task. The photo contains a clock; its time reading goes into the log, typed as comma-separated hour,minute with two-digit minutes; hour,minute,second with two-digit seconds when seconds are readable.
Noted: 3,15
